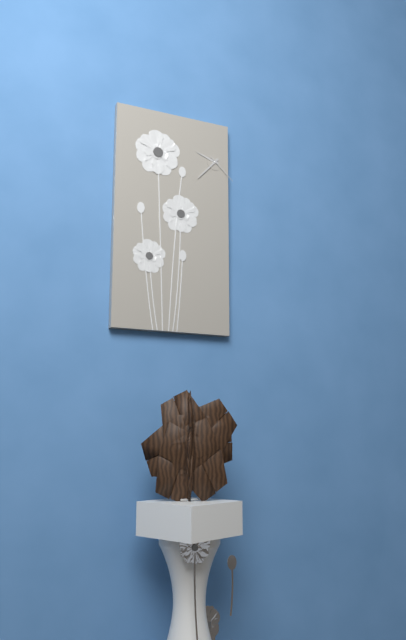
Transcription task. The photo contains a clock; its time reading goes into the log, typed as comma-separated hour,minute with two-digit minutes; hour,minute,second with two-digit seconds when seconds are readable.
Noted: 9,37
